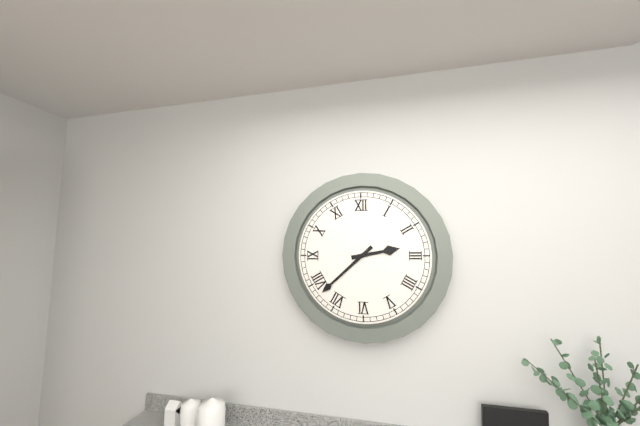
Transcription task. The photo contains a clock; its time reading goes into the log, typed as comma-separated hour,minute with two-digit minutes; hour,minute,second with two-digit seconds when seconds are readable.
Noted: 2,38
